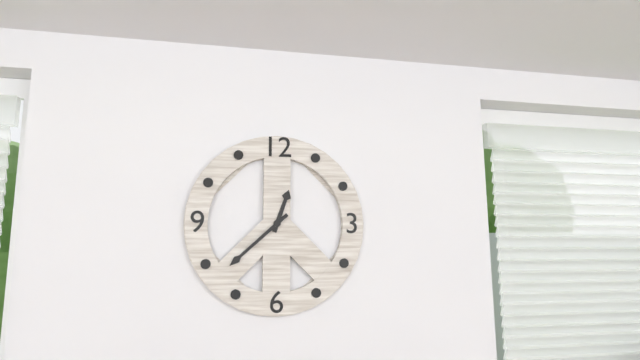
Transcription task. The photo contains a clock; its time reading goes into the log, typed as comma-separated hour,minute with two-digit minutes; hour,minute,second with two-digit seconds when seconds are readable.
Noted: 12,38
